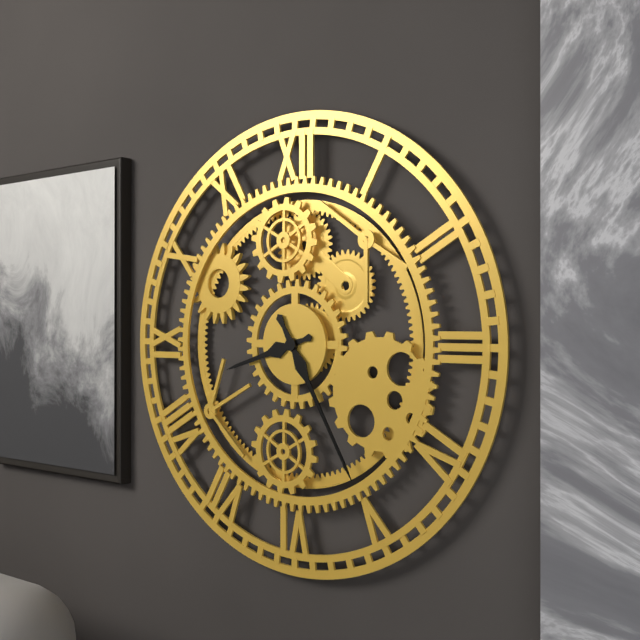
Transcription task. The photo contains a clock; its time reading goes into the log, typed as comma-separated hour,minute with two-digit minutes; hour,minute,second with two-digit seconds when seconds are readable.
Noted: 8,25
